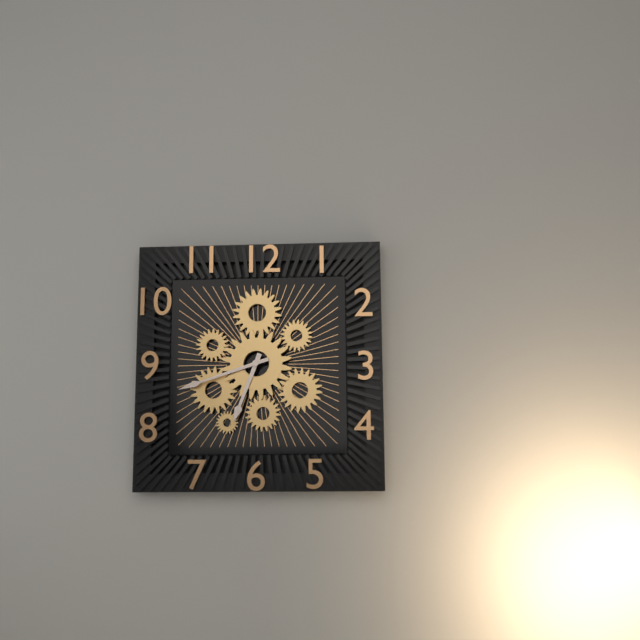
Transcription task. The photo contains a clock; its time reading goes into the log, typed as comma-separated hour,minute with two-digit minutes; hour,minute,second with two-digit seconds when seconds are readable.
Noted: 6,42
